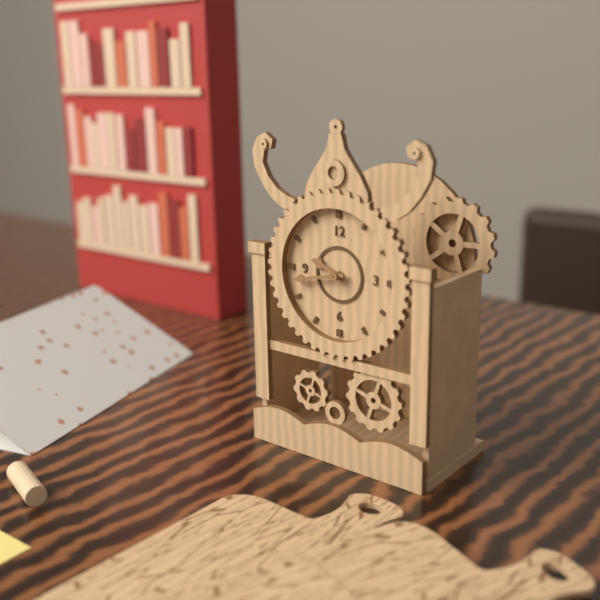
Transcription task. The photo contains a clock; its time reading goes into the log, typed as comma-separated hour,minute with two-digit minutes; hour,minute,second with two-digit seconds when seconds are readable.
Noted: 9,43
